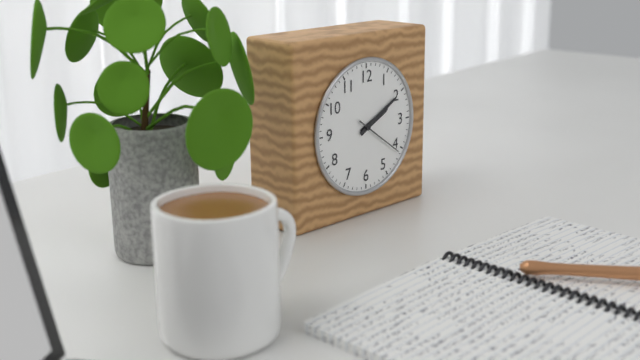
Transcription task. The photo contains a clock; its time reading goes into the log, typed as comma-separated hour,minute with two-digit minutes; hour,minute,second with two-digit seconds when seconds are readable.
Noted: 2,10,21
